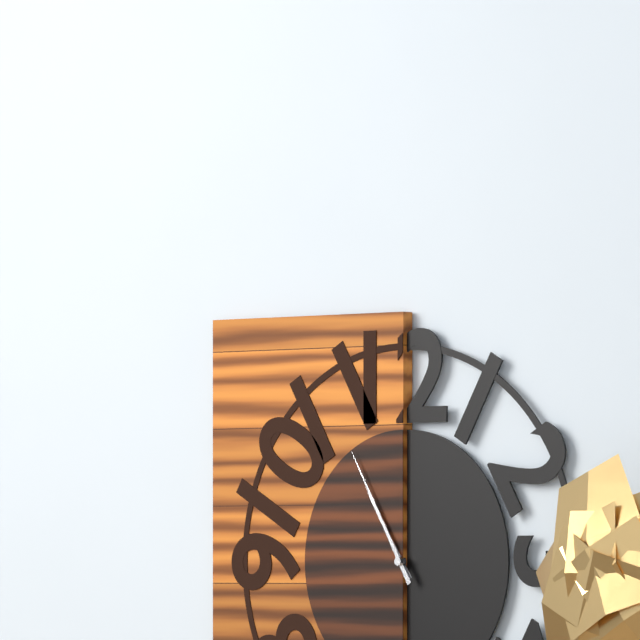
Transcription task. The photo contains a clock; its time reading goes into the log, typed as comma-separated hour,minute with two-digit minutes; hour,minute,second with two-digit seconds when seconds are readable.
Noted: 10,55
